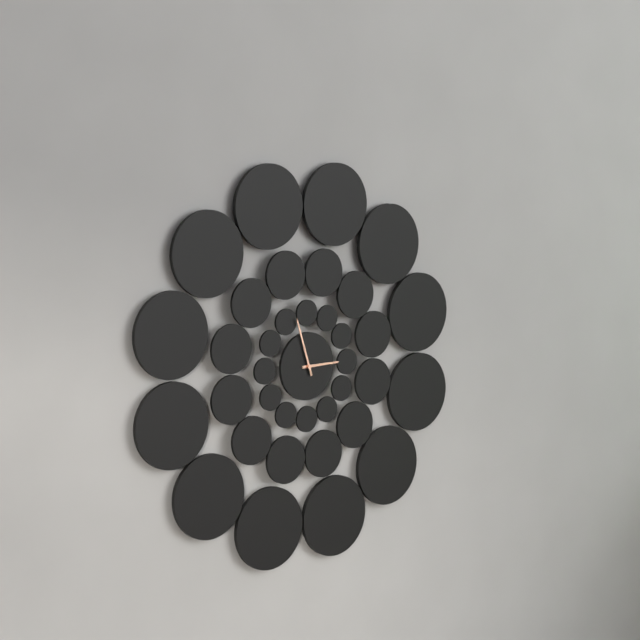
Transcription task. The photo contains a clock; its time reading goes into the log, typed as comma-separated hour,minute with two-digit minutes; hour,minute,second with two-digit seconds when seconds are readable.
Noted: 2,57
